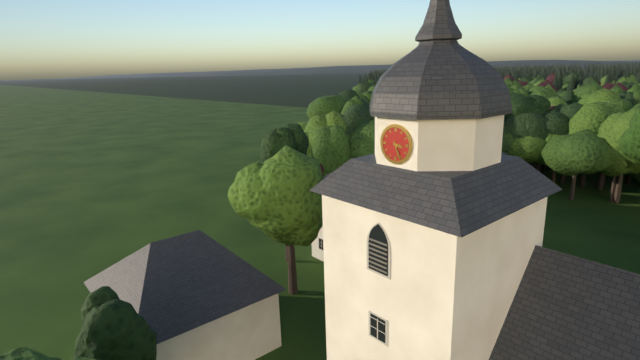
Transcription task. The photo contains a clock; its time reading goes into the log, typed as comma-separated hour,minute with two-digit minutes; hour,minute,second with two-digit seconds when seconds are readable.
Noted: 3,26
